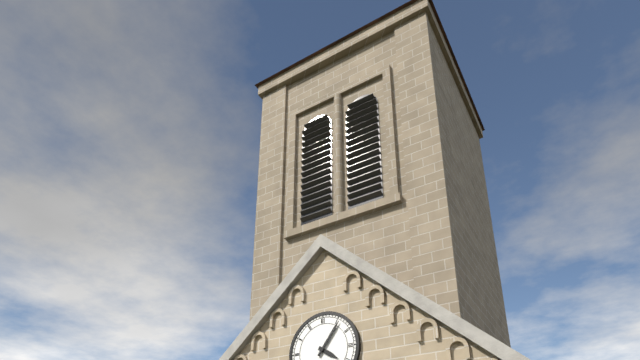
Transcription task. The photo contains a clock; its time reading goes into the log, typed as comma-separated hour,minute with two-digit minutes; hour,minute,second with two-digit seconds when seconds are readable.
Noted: 4,06
